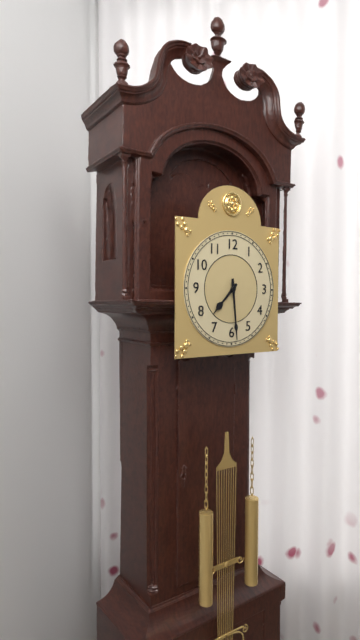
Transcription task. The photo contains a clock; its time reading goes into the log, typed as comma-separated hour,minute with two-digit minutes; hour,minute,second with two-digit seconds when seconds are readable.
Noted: 7,29
